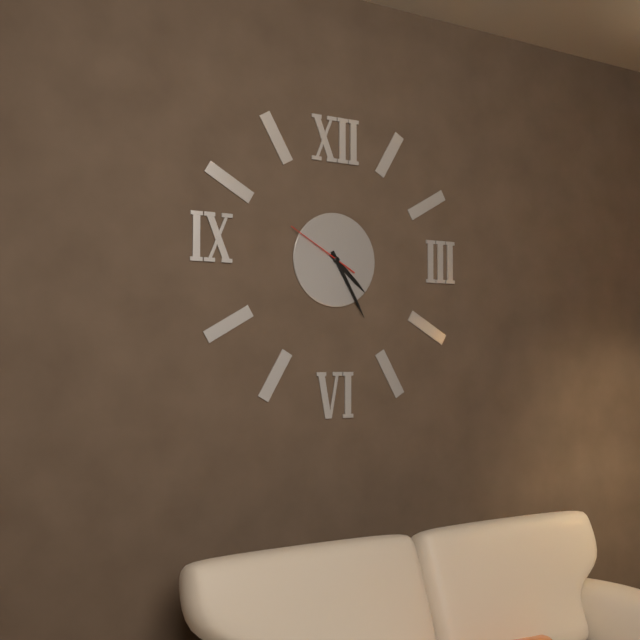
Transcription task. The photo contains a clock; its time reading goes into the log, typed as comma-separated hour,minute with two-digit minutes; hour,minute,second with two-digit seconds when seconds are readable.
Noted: 4,25,50
